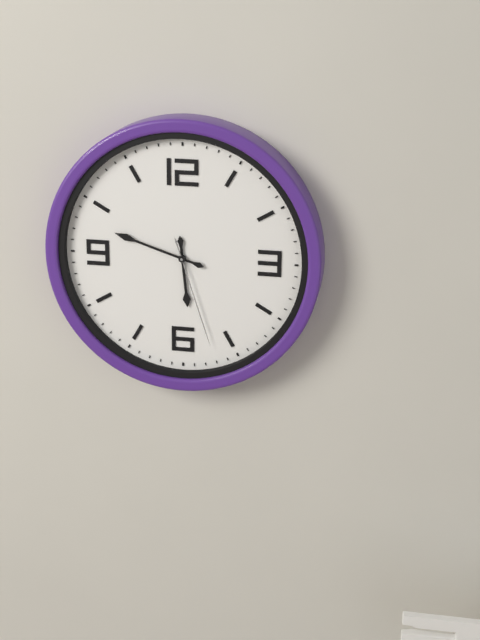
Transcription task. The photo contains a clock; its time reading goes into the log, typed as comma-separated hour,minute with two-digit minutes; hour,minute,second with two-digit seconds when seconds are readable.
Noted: 5,48,27
